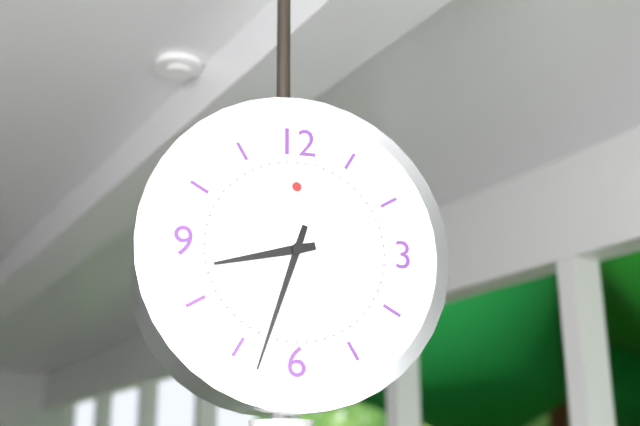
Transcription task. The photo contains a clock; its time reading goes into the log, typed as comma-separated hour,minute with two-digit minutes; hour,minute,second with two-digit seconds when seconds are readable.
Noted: 8,33
